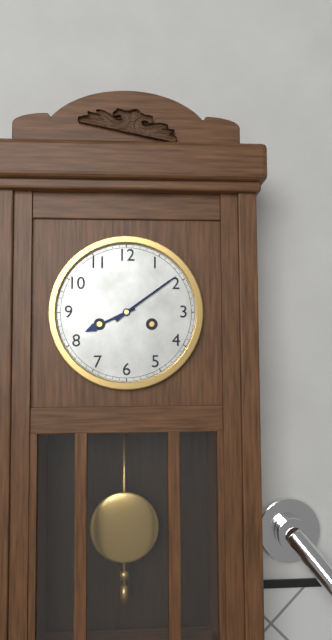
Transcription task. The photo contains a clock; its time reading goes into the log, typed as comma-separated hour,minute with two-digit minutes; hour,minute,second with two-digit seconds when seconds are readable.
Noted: 8,09
